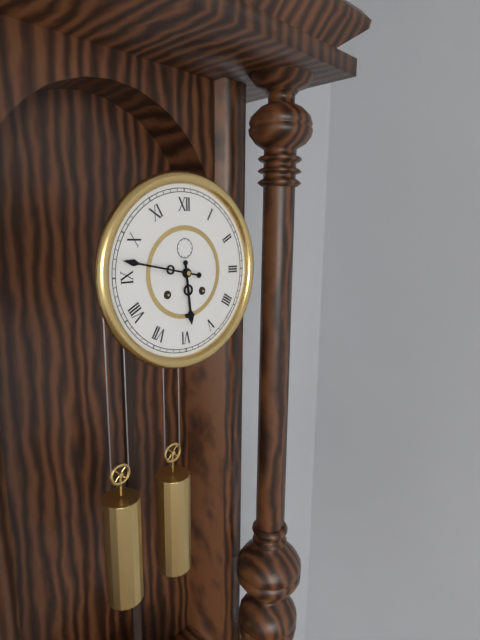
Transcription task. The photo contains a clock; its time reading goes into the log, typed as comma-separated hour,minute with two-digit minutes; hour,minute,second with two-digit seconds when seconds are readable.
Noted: 5,47
